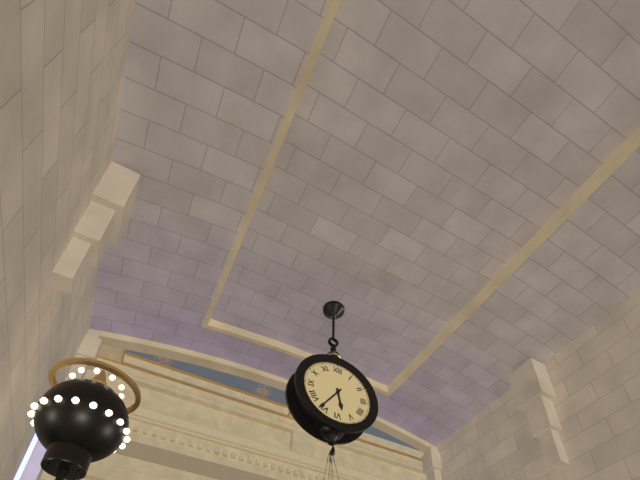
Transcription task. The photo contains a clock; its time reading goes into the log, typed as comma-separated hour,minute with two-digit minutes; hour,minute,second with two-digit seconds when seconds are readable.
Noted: 5,36
